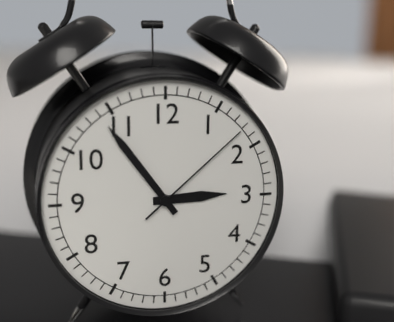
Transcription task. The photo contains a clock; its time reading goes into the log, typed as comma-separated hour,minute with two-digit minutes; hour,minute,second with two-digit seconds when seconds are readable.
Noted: 2,54,08
